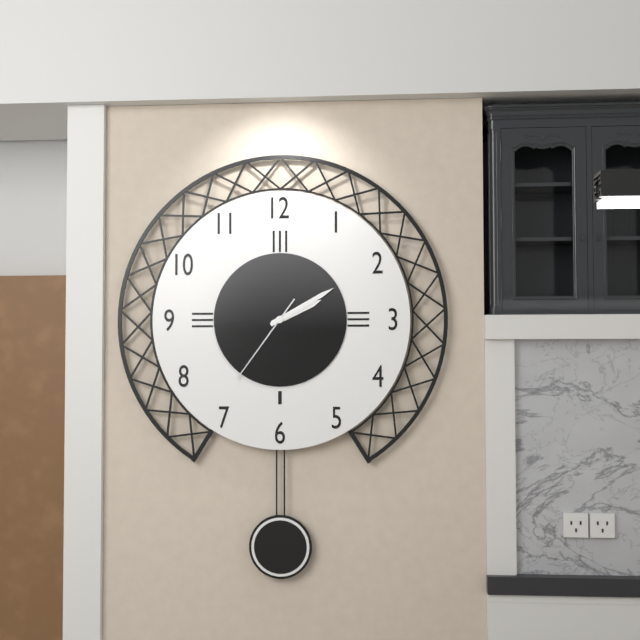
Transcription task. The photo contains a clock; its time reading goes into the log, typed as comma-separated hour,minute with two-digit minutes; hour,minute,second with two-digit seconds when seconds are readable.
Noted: 2,10,36
